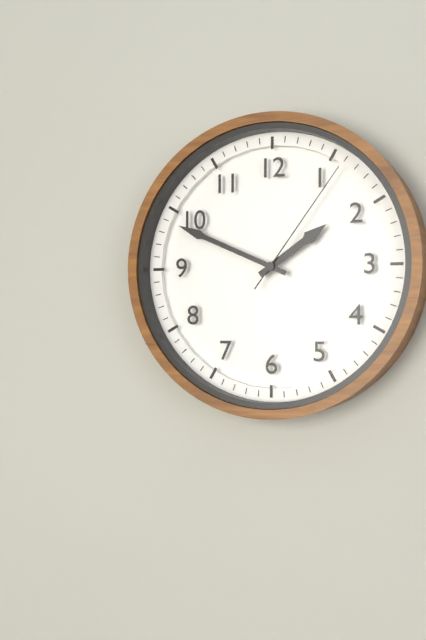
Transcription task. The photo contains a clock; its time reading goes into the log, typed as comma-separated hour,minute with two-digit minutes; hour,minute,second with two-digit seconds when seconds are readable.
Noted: 1,49,06
